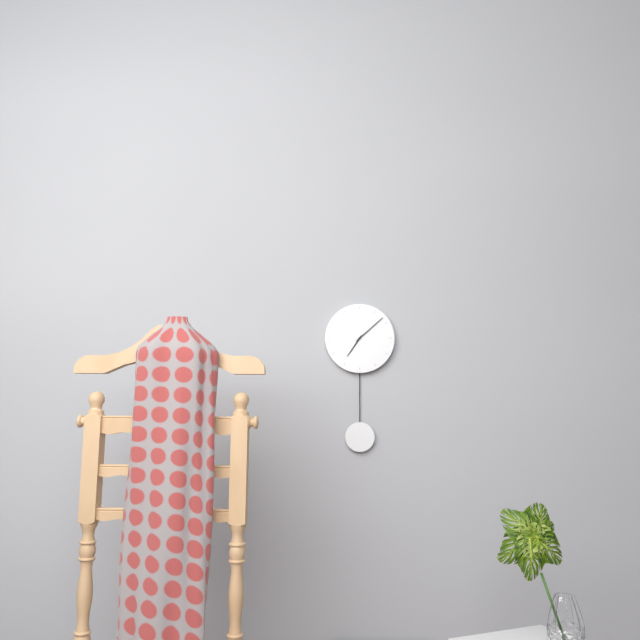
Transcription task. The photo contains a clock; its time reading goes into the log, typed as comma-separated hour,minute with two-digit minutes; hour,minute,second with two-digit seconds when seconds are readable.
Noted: 7,08
